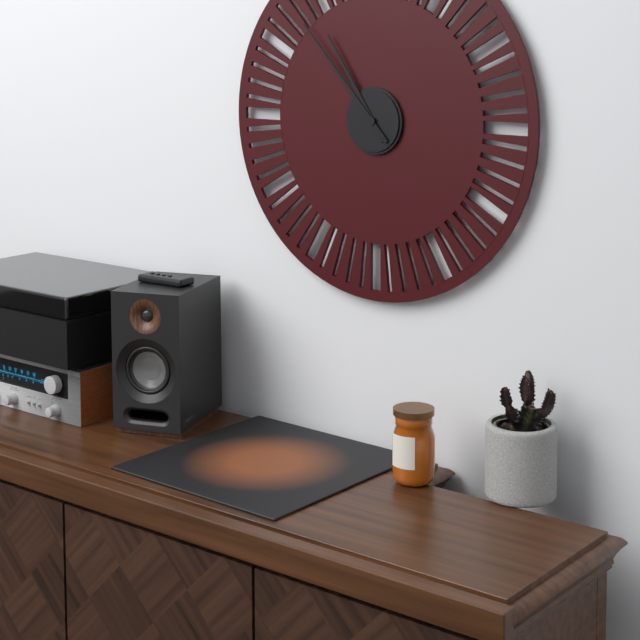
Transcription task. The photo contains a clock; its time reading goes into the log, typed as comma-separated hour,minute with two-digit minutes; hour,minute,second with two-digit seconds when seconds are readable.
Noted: 10,53
